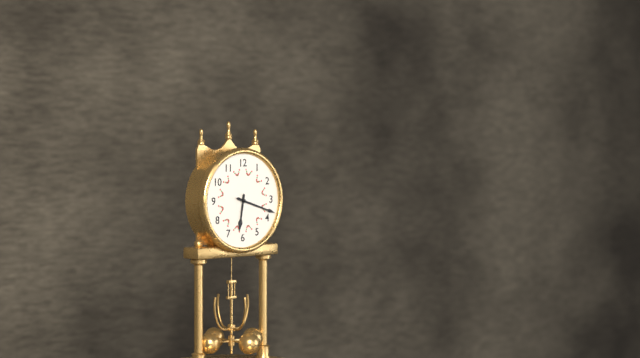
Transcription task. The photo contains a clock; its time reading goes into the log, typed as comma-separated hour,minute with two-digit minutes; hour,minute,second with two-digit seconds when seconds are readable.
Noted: 6,18
